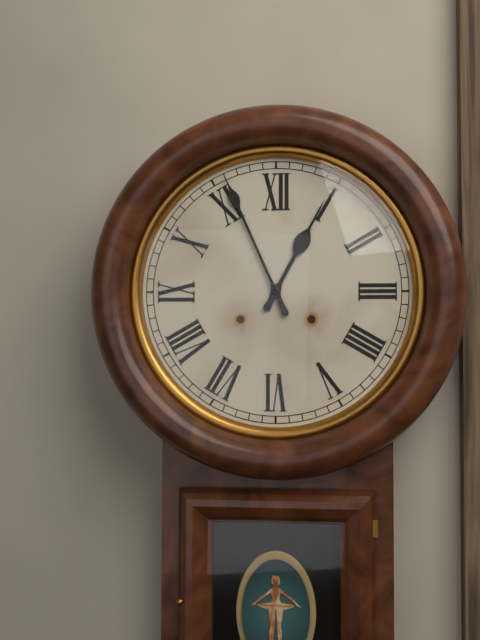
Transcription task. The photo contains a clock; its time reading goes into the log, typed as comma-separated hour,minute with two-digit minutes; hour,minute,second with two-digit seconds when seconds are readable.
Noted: 12,56
